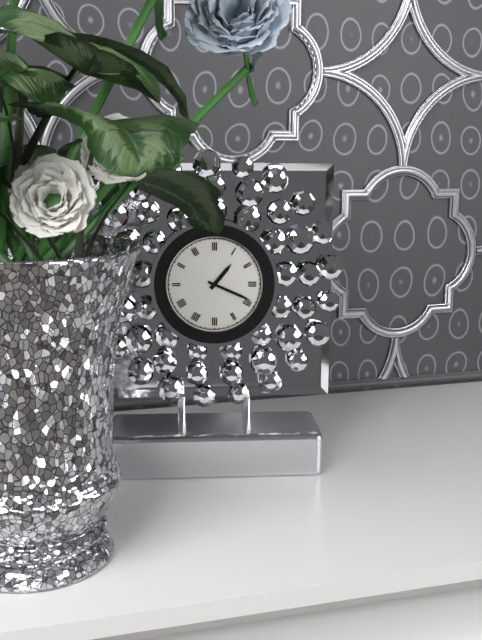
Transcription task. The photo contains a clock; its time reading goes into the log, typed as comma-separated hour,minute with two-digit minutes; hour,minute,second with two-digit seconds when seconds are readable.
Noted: 1,19
